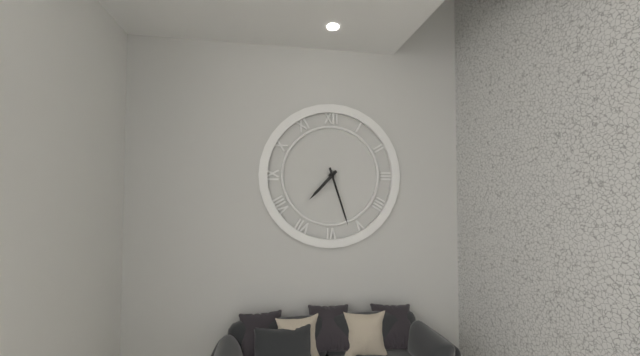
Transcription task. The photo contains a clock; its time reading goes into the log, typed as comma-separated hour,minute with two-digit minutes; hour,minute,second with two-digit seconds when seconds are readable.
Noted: 7,27
